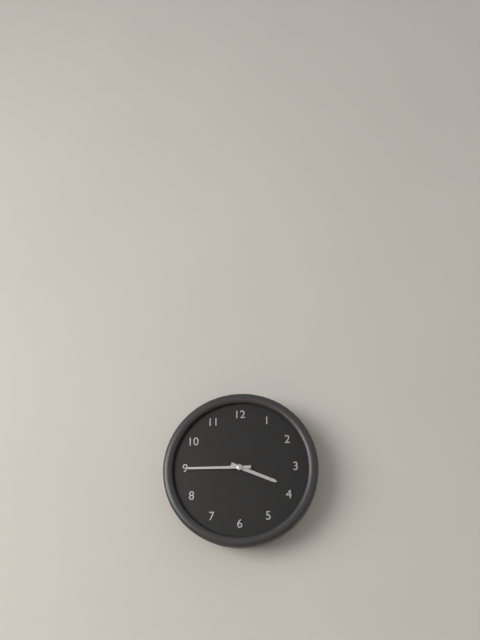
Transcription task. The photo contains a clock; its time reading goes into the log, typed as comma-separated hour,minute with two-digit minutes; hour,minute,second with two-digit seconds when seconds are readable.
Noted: 3,45
